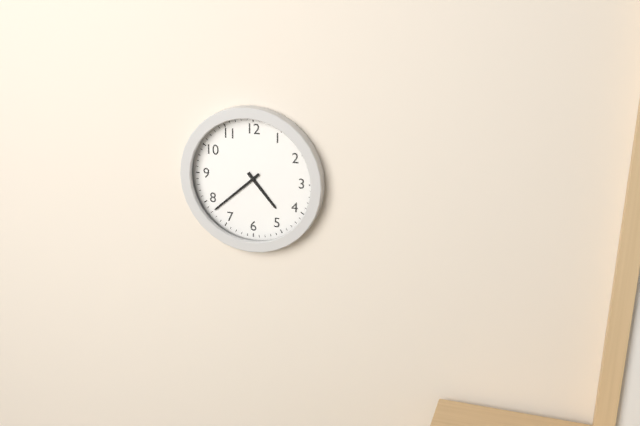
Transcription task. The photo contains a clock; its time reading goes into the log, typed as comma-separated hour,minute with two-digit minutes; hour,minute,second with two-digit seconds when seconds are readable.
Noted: 4,38
